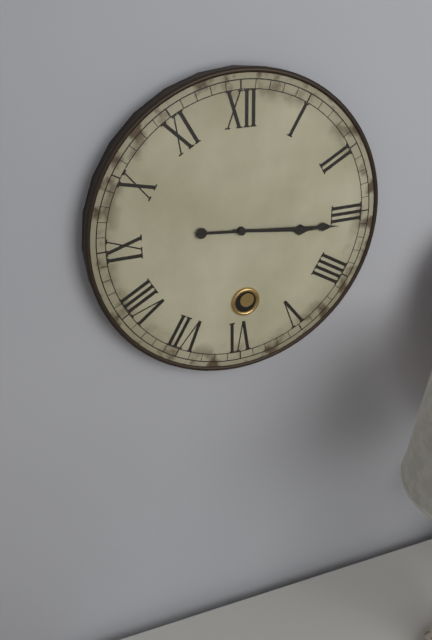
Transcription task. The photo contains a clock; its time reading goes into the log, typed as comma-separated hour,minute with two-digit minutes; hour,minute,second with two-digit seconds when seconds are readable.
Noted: 3,16
